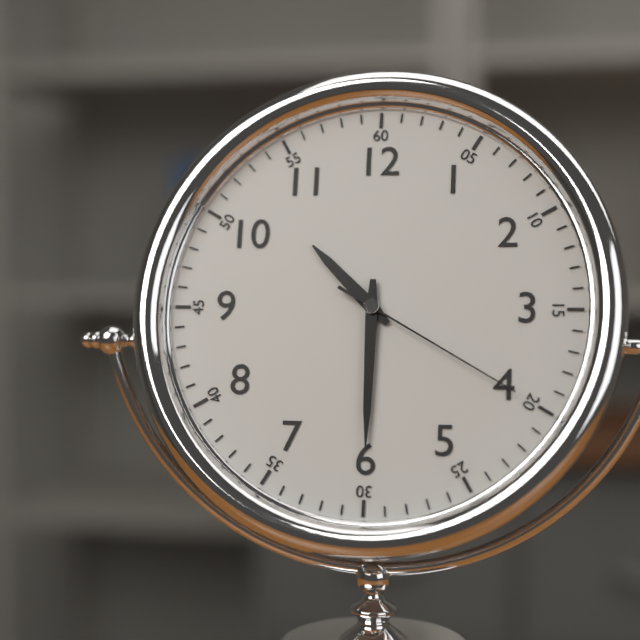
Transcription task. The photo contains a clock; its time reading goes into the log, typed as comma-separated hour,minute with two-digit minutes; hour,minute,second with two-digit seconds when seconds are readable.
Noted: 10,30,20
